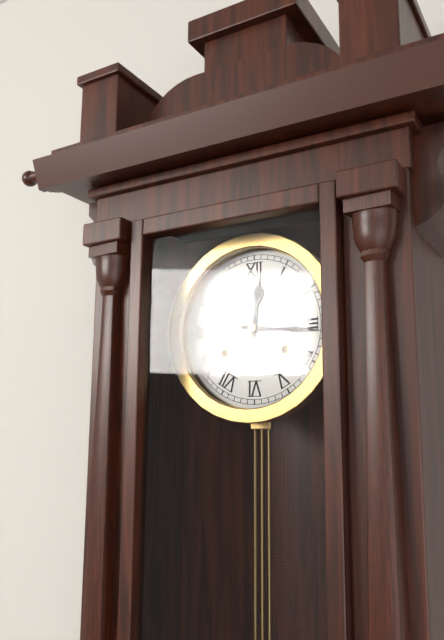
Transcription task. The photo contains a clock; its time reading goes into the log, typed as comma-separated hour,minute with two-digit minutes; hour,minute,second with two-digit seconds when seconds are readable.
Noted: 12,16
